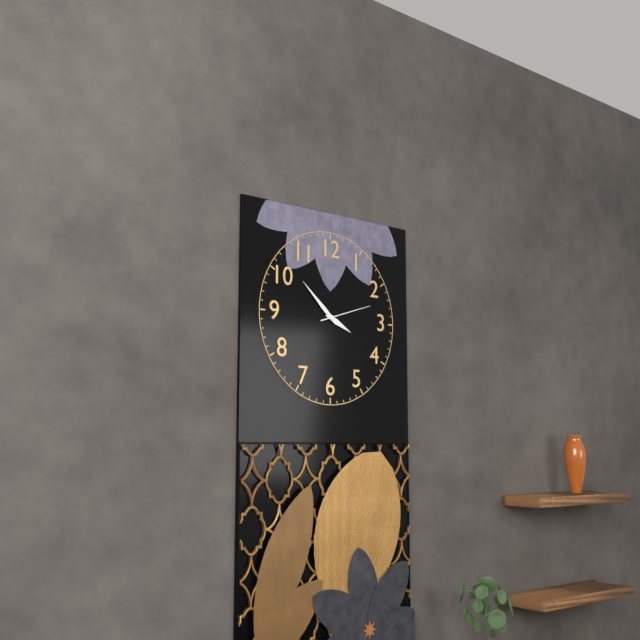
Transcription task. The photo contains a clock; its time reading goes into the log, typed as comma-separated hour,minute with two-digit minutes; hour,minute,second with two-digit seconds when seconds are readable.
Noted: 3,52,12
